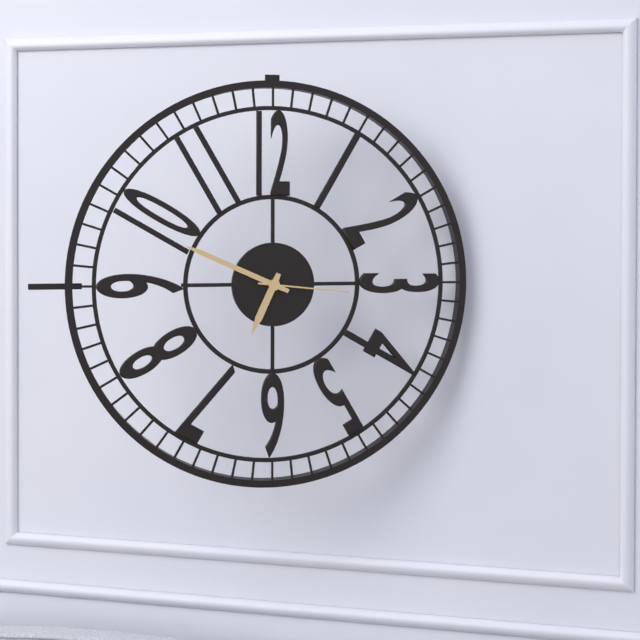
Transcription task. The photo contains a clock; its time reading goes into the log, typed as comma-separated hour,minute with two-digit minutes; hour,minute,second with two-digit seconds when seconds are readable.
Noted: 6,49,16
